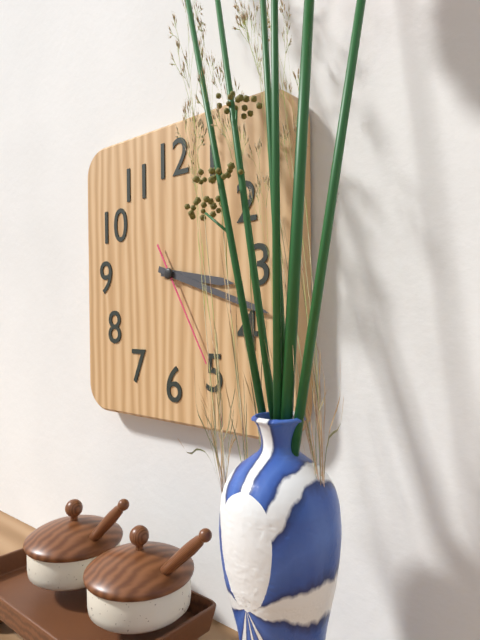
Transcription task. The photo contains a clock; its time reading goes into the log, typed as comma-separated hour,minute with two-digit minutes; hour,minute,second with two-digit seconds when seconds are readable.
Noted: 3,18,25
